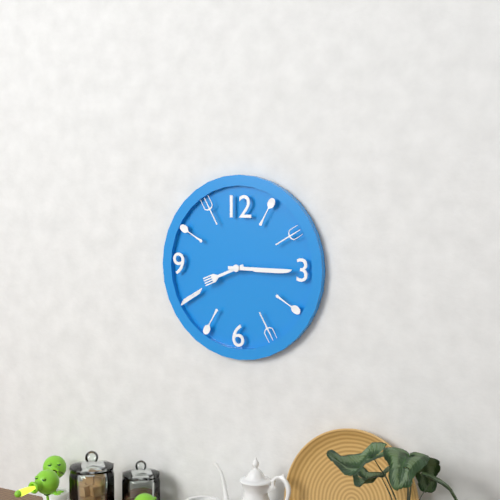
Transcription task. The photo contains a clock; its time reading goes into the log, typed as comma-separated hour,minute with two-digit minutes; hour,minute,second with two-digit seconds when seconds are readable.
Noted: 8,15
